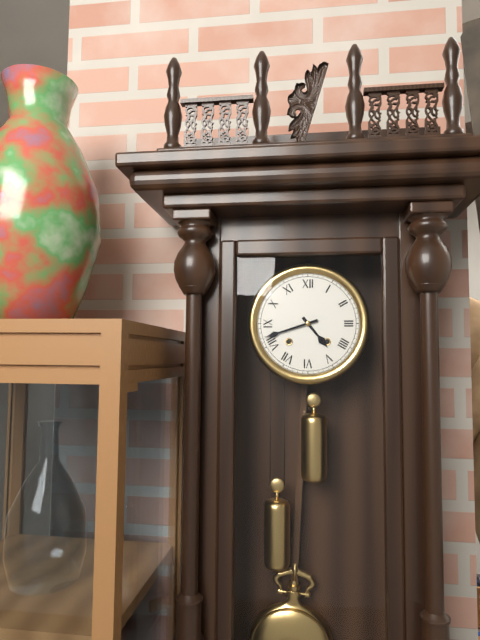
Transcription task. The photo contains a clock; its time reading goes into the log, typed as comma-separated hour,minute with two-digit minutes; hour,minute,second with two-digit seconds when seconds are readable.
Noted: 4,42
